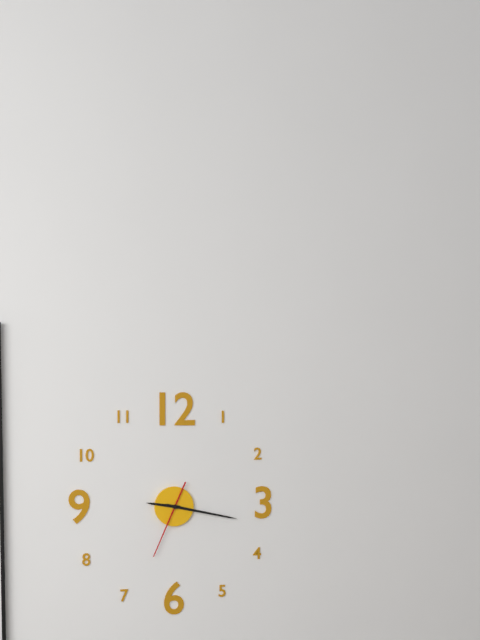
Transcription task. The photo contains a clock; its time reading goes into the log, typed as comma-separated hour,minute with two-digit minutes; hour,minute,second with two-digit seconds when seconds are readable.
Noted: 9,17,34
